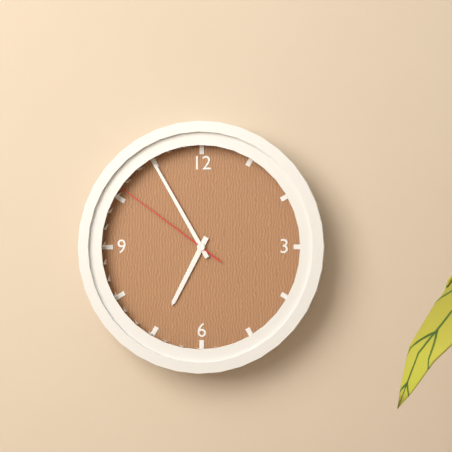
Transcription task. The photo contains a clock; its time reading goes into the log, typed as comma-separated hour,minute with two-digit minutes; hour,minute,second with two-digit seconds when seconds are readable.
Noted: 6,55,51
